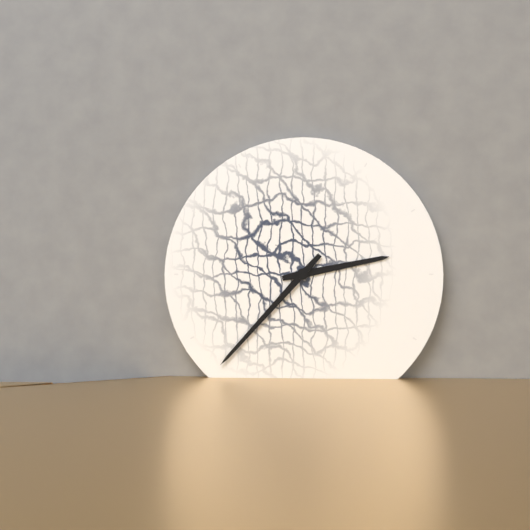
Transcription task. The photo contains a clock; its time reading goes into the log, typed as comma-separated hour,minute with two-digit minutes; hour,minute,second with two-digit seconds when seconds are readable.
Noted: 2,37
